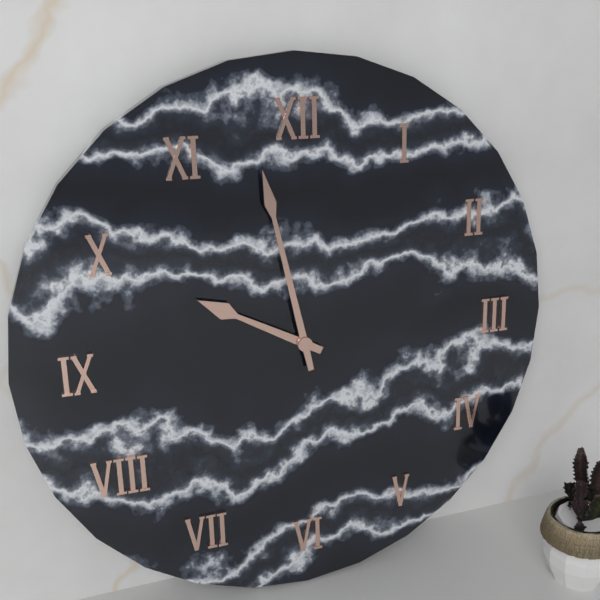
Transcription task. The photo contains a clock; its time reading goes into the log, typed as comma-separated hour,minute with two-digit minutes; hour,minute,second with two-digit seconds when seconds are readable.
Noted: 9,58
